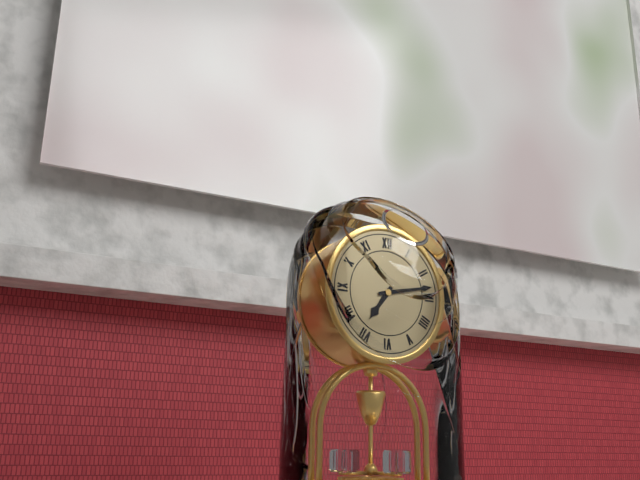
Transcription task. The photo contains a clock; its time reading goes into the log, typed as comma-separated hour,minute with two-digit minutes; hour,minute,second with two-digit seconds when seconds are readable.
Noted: 7,13
